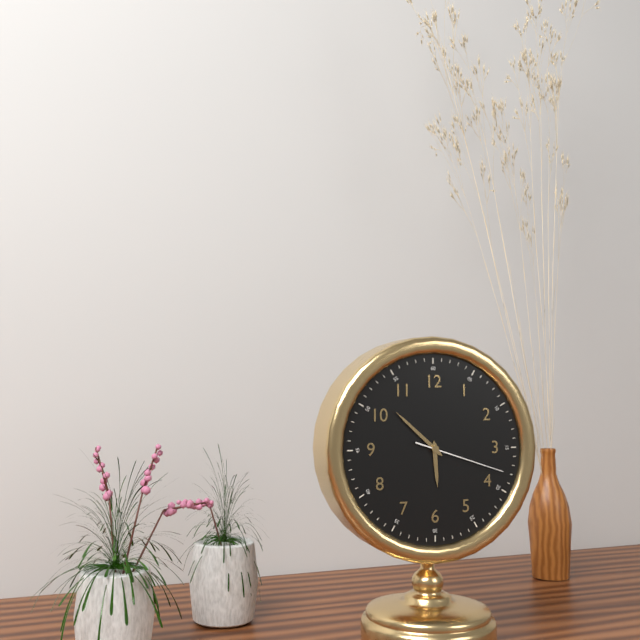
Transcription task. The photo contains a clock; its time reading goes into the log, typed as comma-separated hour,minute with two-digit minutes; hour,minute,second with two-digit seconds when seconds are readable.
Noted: 5,52,18
